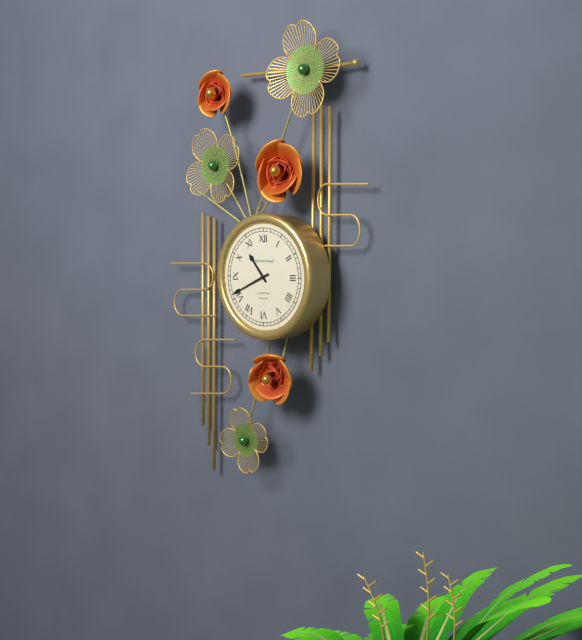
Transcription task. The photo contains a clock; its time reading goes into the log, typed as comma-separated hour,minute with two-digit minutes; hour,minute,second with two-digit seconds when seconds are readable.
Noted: 10,41
